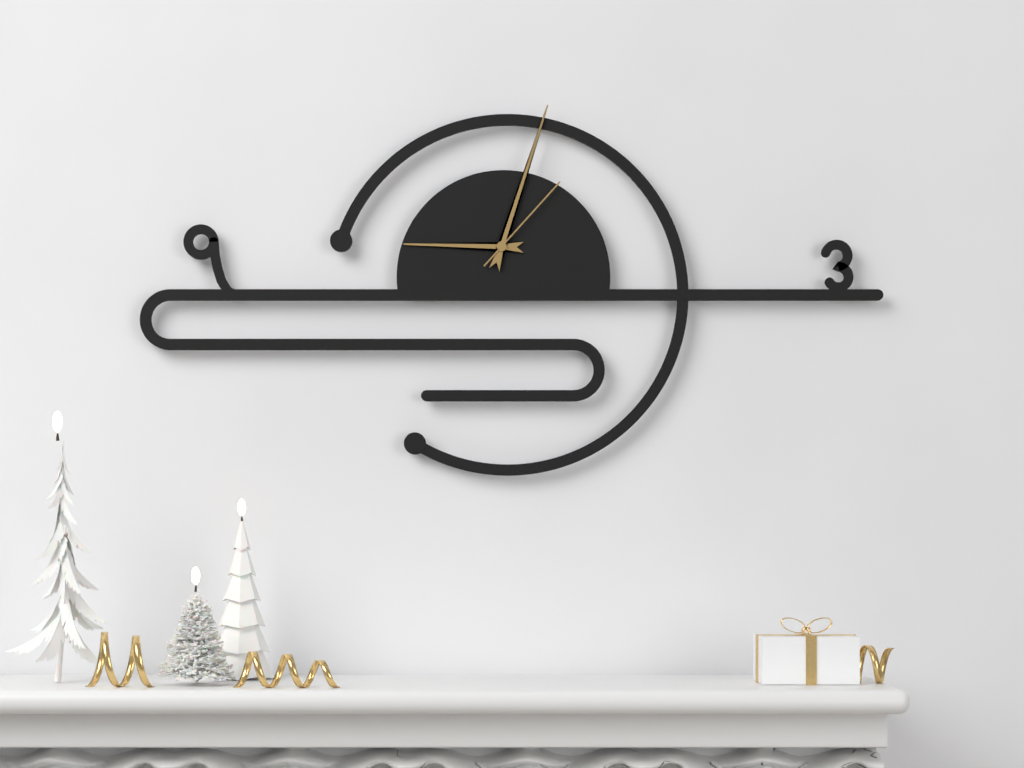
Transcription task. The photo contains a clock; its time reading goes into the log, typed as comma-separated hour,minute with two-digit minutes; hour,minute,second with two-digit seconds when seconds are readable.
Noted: 9,03,07
